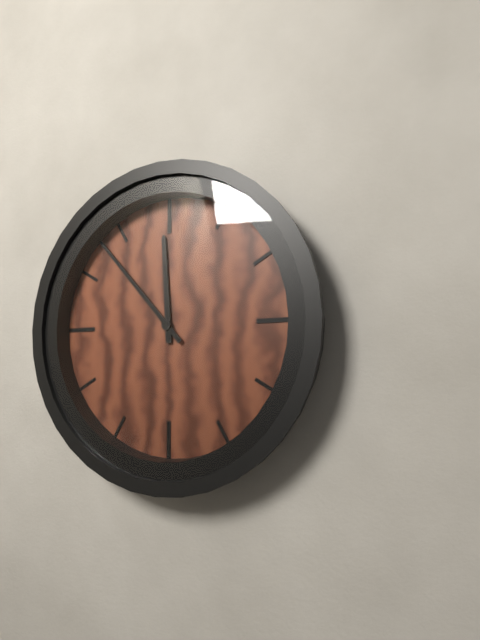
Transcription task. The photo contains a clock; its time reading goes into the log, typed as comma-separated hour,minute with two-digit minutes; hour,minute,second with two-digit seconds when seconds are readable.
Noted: 11,53
